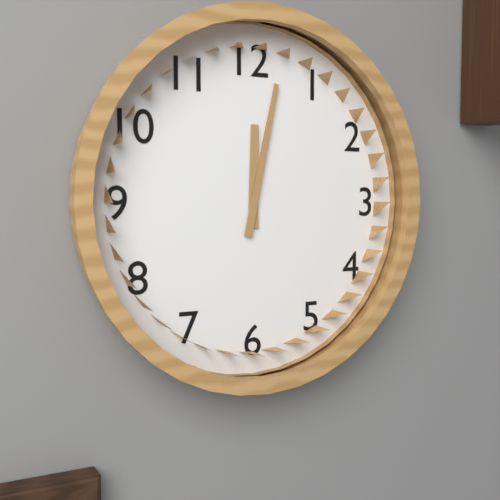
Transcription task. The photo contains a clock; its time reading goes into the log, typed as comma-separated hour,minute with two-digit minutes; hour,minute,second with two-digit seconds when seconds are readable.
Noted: 12,02
